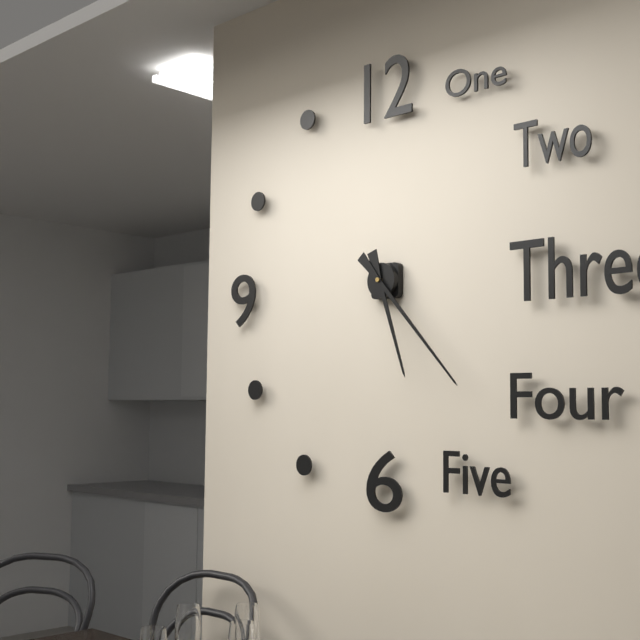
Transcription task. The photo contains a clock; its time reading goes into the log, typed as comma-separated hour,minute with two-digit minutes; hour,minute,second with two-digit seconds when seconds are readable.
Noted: 5,23
